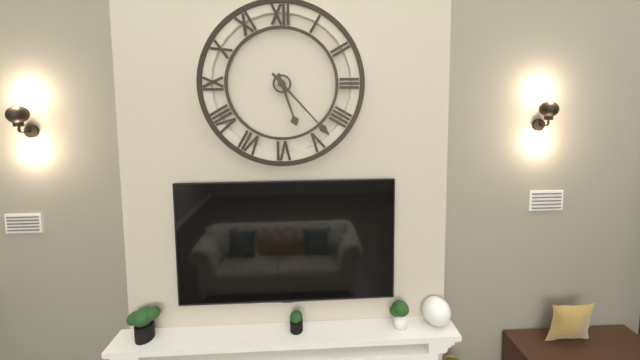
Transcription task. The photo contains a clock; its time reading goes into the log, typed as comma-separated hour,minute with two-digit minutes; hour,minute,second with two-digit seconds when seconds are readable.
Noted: 5,23
